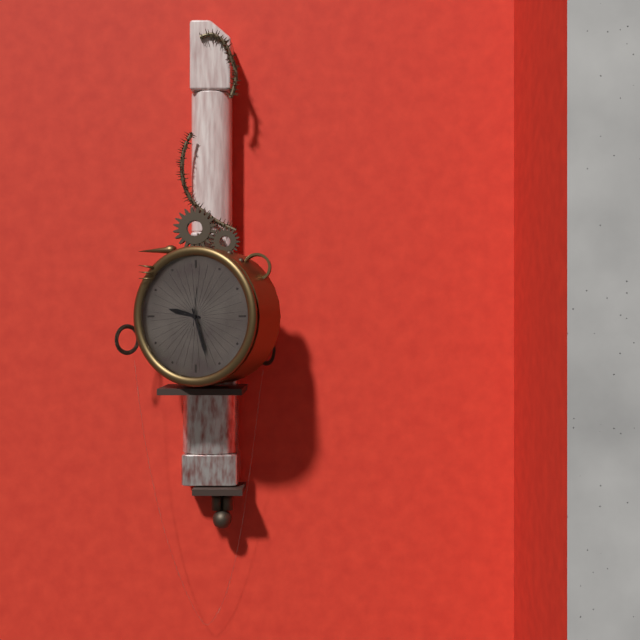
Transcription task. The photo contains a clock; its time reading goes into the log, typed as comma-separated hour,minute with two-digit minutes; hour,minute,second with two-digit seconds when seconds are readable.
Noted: 9,27
